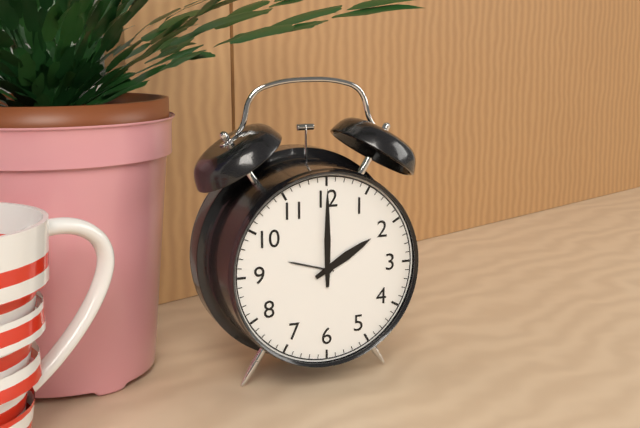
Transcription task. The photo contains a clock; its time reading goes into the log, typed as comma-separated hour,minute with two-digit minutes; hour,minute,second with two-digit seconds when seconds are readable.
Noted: 2,00
